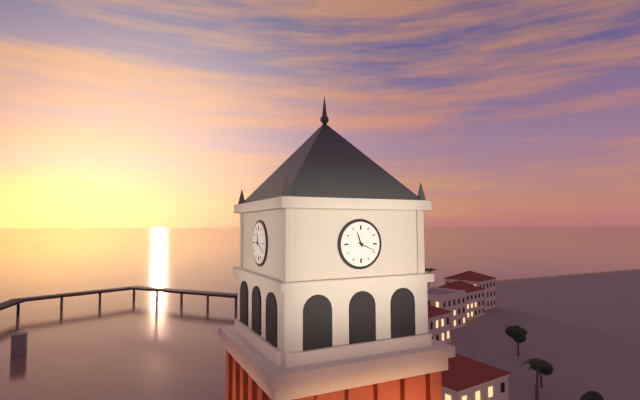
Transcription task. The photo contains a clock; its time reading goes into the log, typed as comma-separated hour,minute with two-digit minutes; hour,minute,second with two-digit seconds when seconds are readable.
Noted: 11,19
